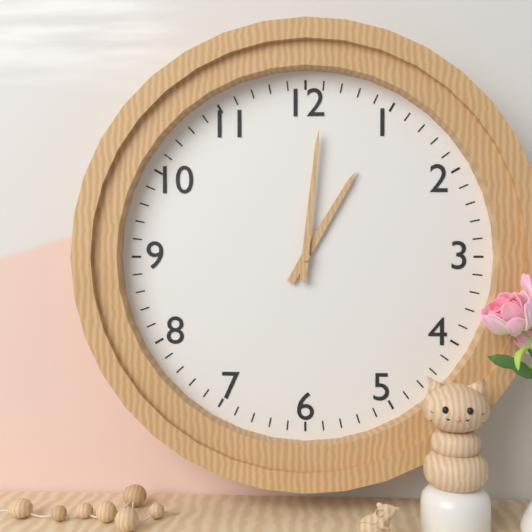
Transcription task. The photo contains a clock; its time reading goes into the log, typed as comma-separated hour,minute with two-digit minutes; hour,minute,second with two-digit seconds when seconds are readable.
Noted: 1,01
